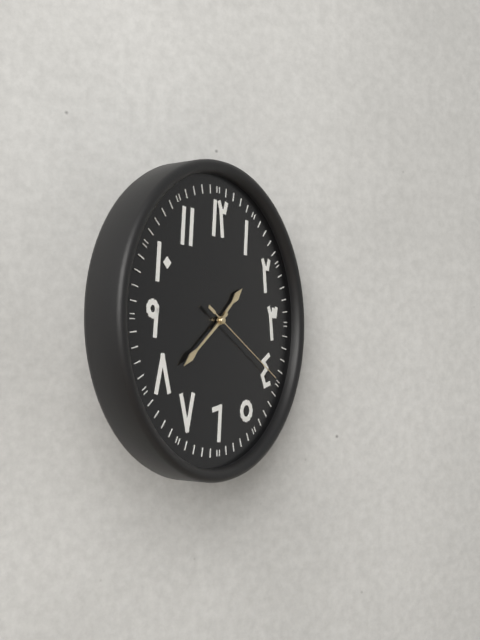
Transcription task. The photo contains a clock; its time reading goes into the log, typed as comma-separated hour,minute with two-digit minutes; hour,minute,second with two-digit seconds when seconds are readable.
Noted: 1,39,20
